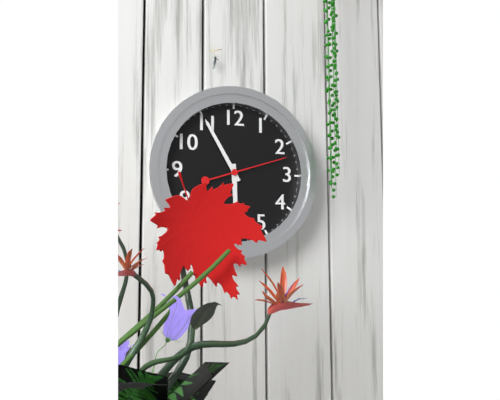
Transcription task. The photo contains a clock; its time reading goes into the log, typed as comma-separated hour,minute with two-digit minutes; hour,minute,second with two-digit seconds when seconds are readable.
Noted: 5,55,12
